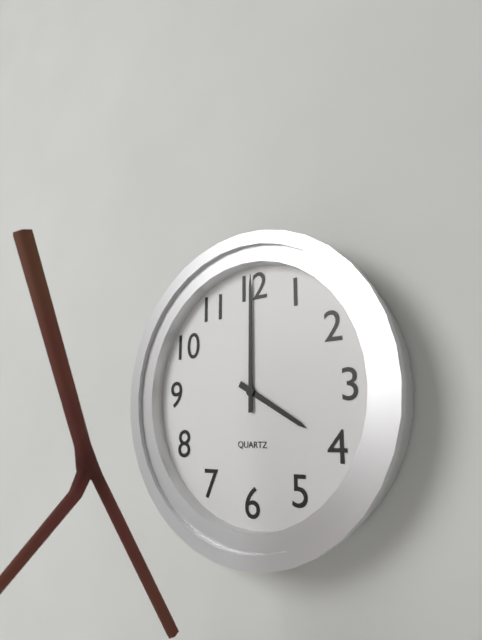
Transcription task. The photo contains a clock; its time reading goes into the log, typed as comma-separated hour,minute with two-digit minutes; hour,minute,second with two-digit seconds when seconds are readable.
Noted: 4,00
